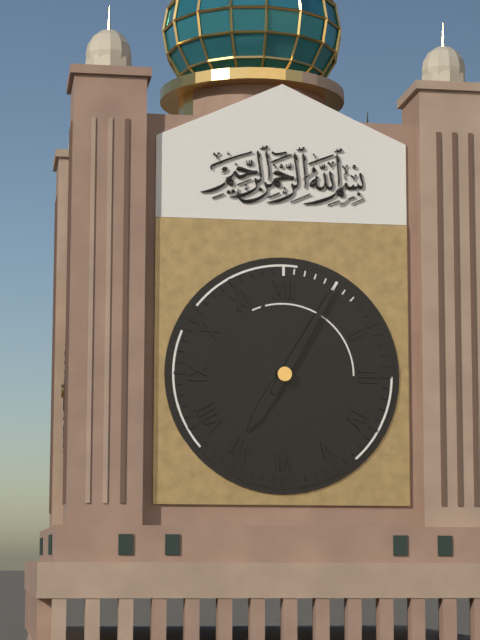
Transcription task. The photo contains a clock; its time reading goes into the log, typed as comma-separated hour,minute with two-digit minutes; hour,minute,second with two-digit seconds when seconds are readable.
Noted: 7,05
